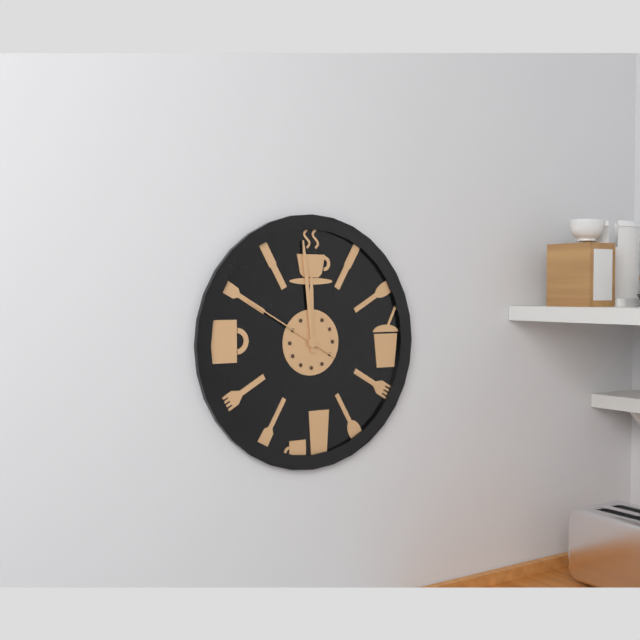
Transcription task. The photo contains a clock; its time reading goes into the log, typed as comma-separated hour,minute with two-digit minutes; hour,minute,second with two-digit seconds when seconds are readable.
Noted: 11,59,50
